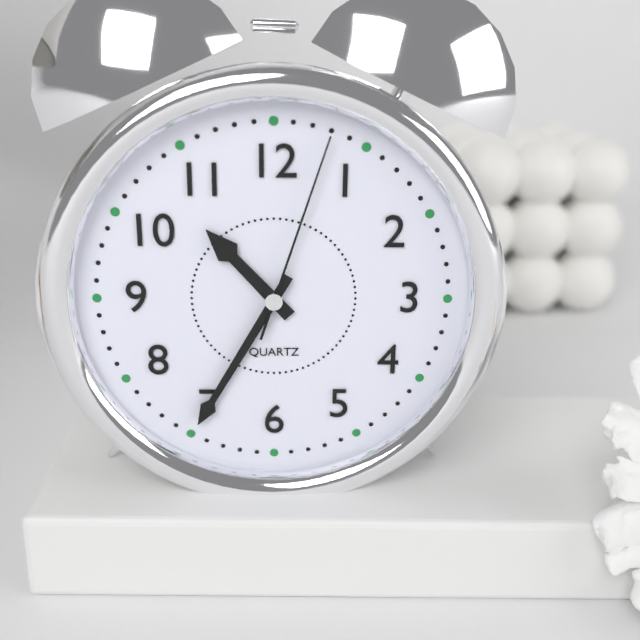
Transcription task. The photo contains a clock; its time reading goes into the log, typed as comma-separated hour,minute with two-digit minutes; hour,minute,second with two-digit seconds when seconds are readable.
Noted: 10,35,03
